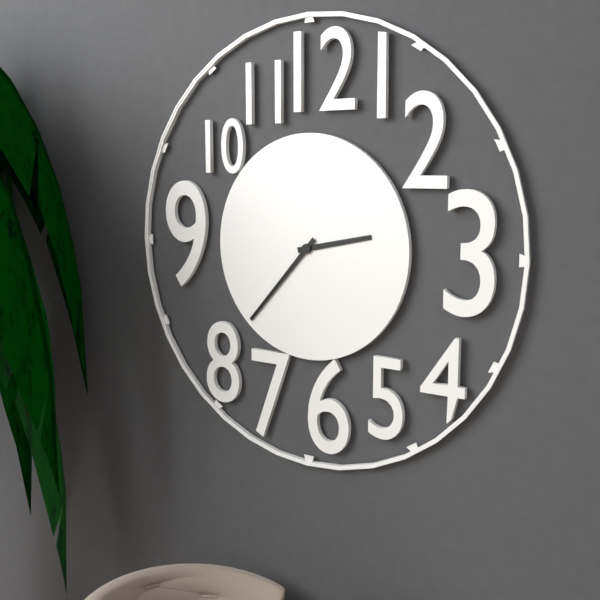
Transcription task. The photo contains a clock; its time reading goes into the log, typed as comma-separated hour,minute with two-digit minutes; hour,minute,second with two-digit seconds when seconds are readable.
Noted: 2,37
